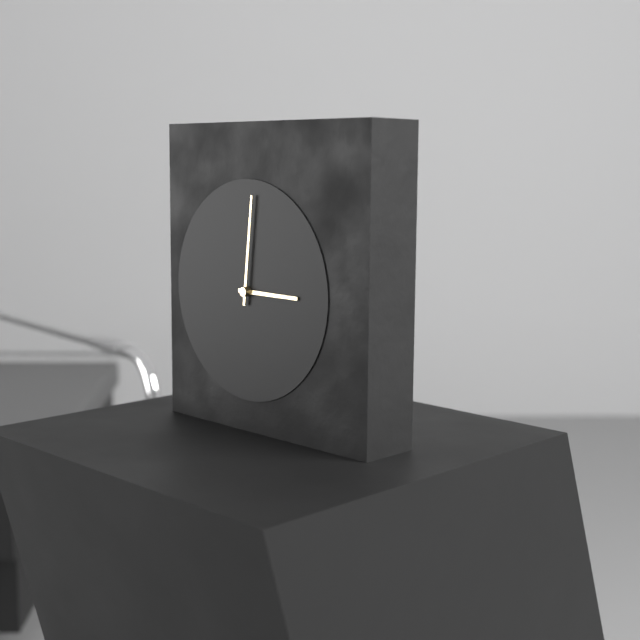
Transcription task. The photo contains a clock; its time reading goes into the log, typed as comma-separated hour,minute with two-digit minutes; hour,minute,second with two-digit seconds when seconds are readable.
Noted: 3,01
